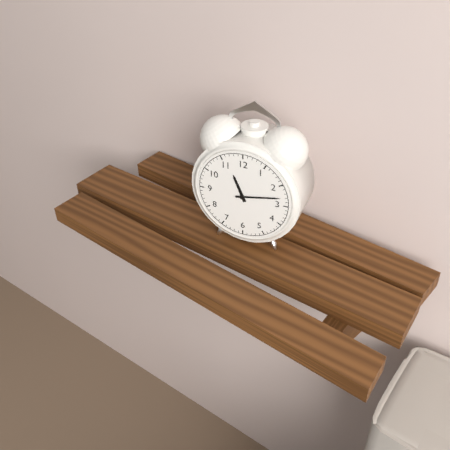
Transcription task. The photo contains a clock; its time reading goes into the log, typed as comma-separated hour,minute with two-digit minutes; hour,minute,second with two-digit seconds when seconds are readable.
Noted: 11,13
